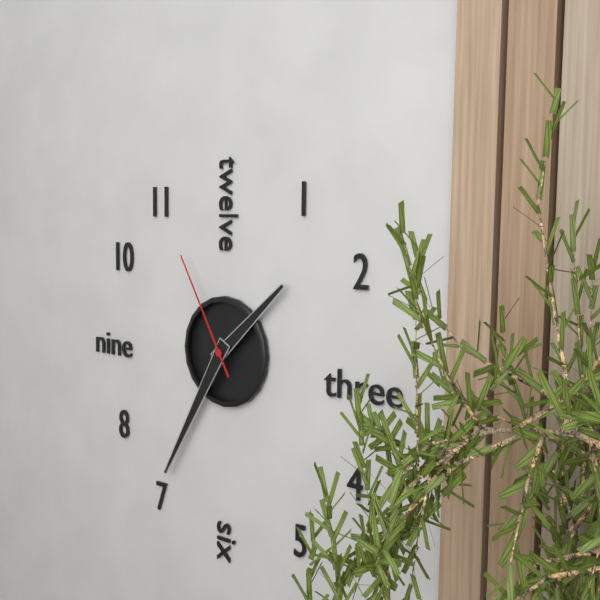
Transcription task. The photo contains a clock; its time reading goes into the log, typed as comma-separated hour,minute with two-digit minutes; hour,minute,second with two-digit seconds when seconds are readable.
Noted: 1,35,55
